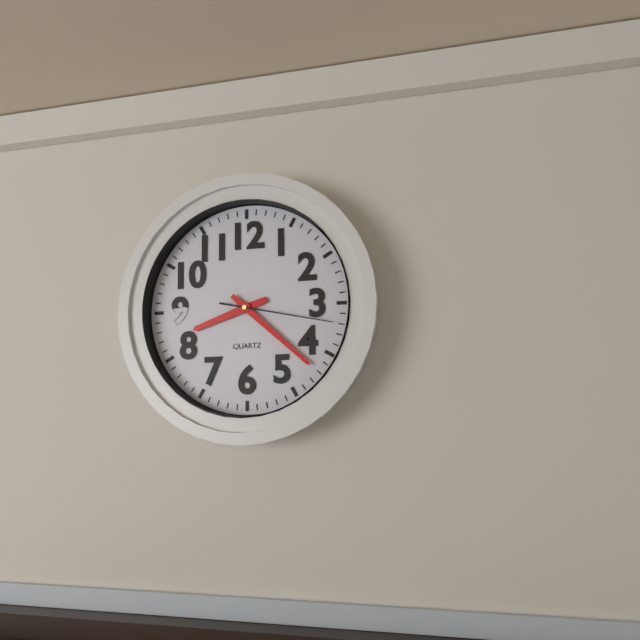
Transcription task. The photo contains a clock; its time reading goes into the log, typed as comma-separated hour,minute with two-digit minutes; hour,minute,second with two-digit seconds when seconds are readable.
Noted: 8,22,17
